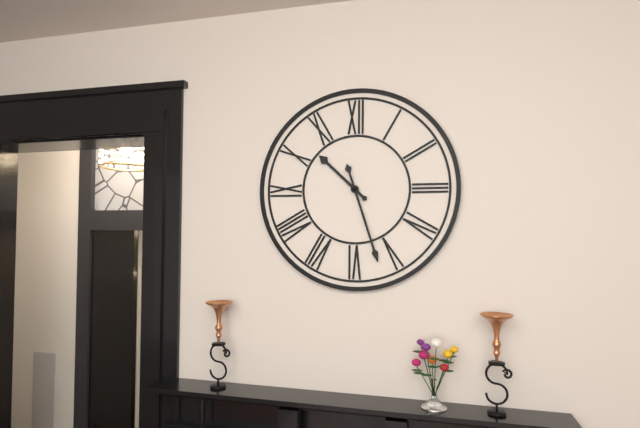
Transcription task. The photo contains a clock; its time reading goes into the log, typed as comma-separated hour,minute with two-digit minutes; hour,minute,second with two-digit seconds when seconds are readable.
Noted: 10,27
